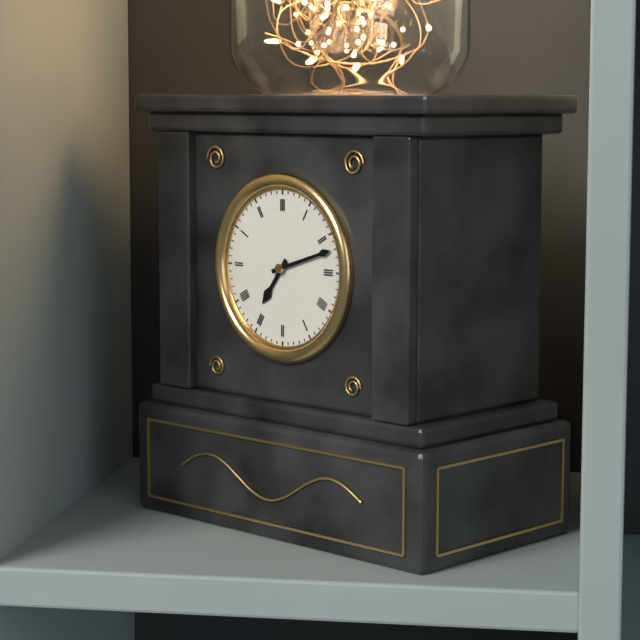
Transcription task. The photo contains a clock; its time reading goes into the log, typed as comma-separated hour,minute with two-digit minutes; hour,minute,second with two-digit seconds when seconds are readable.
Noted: 7,12
